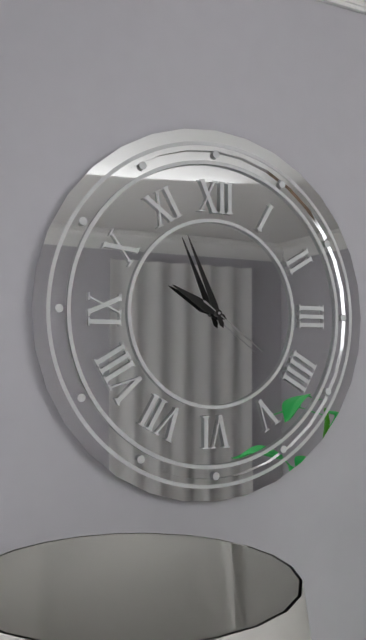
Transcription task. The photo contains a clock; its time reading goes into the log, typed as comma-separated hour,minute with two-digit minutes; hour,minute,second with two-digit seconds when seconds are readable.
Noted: 9,56,21
